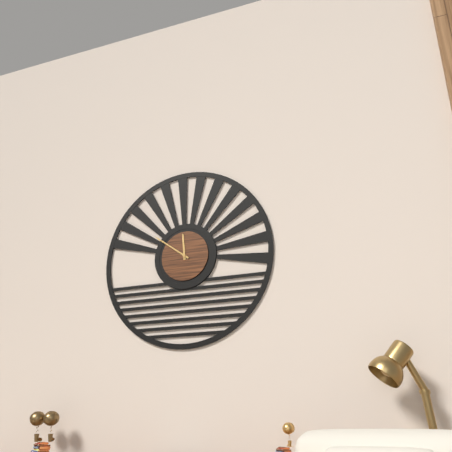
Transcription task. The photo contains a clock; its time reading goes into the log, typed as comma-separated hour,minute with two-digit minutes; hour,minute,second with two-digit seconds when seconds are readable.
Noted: 11,51
